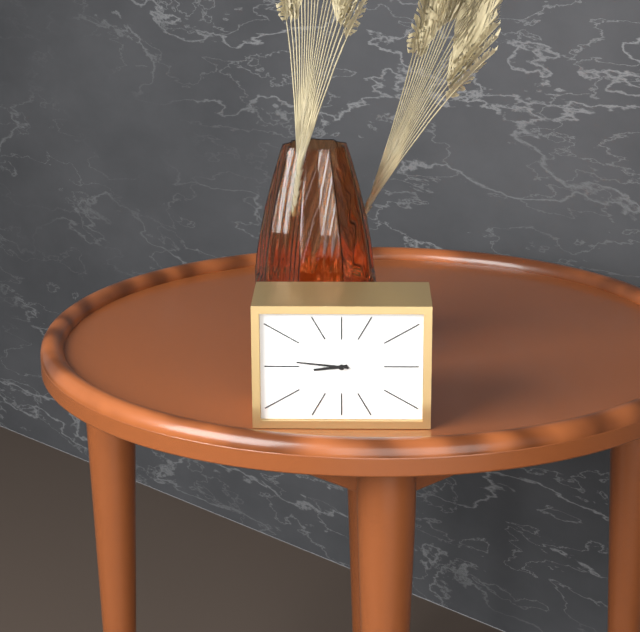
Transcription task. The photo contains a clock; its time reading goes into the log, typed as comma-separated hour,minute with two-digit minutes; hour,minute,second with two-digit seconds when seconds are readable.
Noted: 8,46
